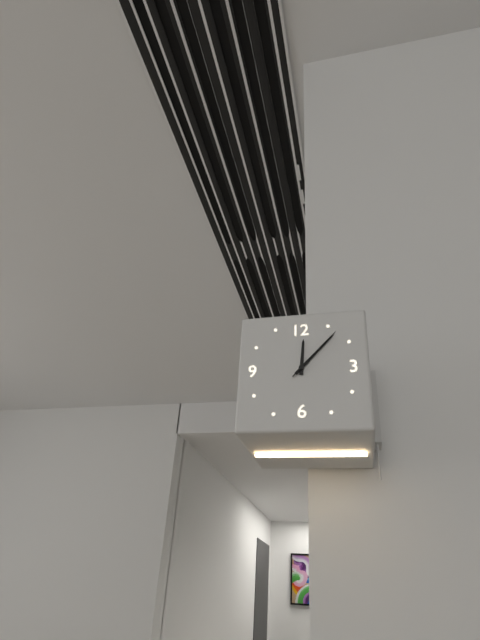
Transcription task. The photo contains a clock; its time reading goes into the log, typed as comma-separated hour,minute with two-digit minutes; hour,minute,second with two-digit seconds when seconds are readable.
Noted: 12,07,07
